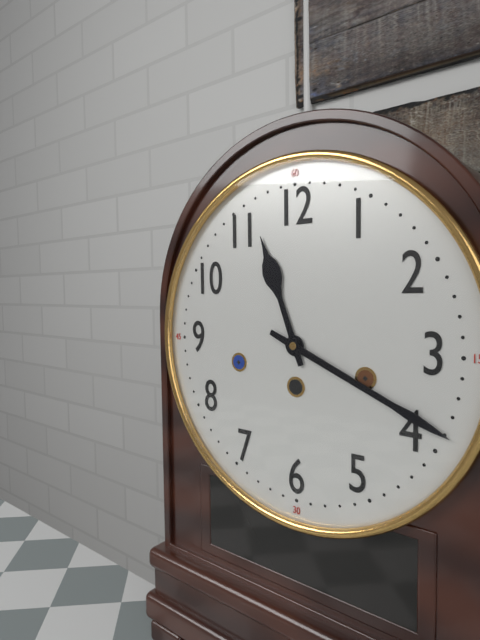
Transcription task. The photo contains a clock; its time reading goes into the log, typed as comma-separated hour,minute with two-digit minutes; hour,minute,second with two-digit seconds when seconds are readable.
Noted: 11,19
